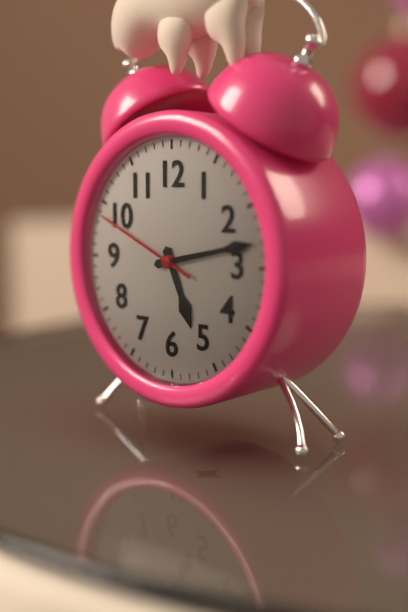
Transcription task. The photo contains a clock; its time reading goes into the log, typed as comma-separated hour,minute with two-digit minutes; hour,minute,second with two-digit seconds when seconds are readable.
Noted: 5,13,49
